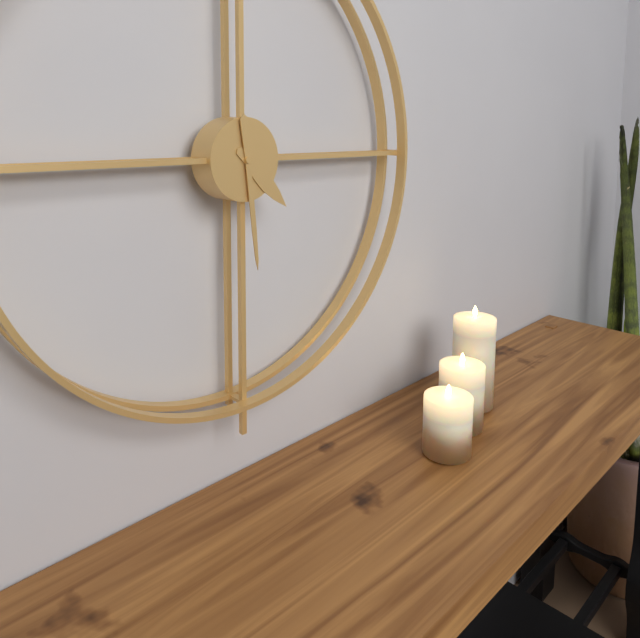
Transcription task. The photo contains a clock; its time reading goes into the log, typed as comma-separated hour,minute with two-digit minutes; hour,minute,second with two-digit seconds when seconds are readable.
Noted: 4,29
